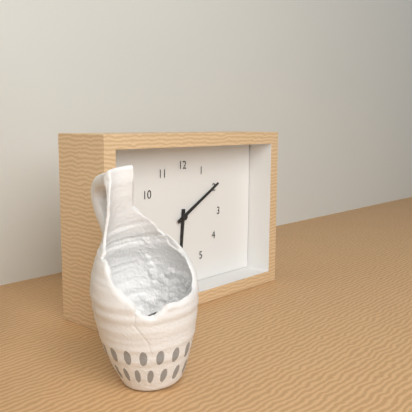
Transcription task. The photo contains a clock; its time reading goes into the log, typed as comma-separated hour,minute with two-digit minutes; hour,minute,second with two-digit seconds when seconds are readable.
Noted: 6,10
